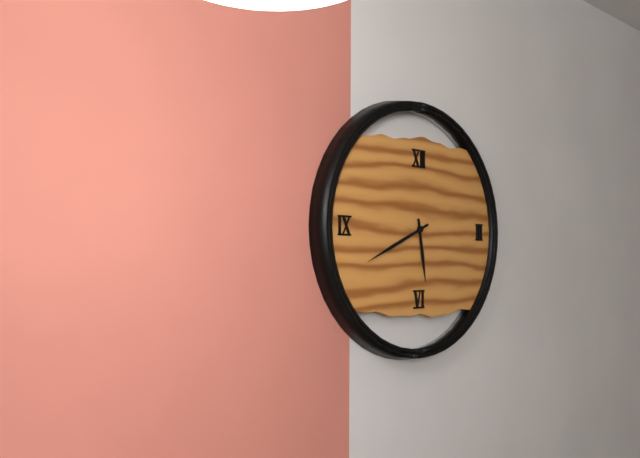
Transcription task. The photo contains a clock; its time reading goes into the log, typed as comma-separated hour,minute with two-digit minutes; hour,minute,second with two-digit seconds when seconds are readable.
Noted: 5,41
